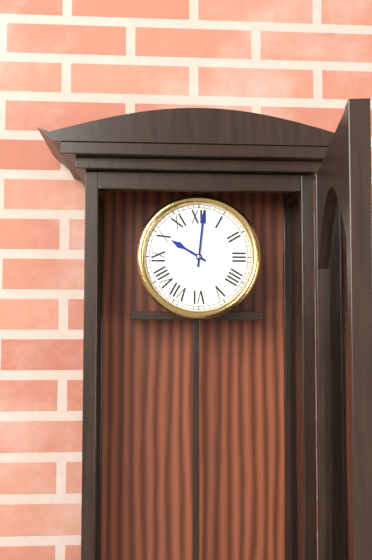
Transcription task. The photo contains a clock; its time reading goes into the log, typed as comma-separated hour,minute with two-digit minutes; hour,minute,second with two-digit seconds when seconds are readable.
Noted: 10,01
